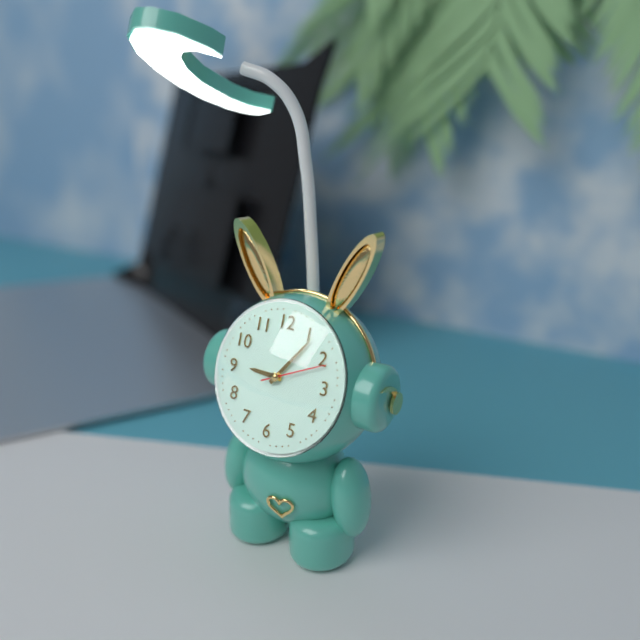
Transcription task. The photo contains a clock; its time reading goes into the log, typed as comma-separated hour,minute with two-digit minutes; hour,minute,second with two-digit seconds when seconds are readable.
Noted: 9,06,11
